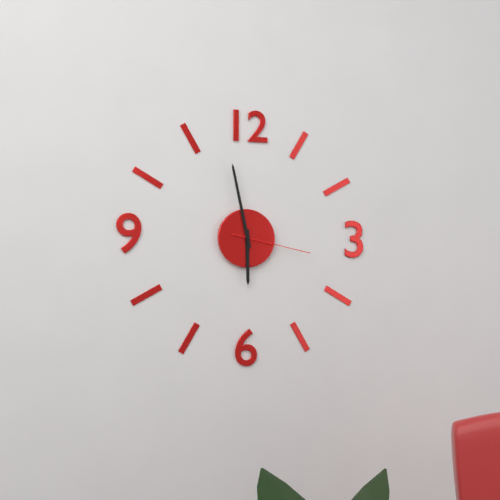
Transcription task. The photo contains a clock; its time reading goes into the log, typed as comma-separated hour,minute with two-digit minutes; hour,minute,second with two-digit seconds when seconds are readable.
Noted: 5,58,17
